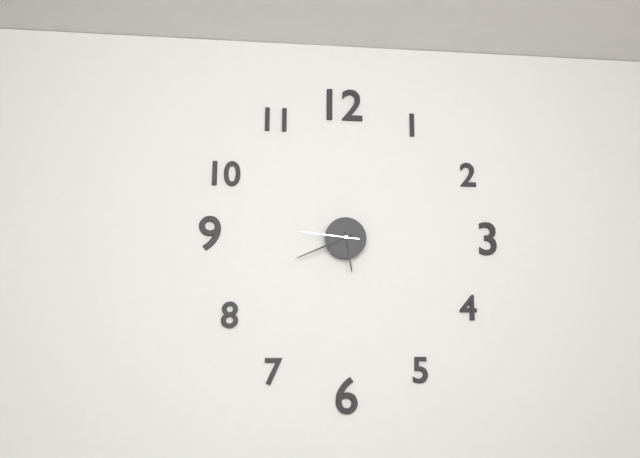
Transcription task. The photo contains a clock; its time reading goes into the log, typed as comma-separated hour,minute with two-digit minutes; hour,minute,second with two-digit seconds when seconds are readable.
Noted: 5,41,46
